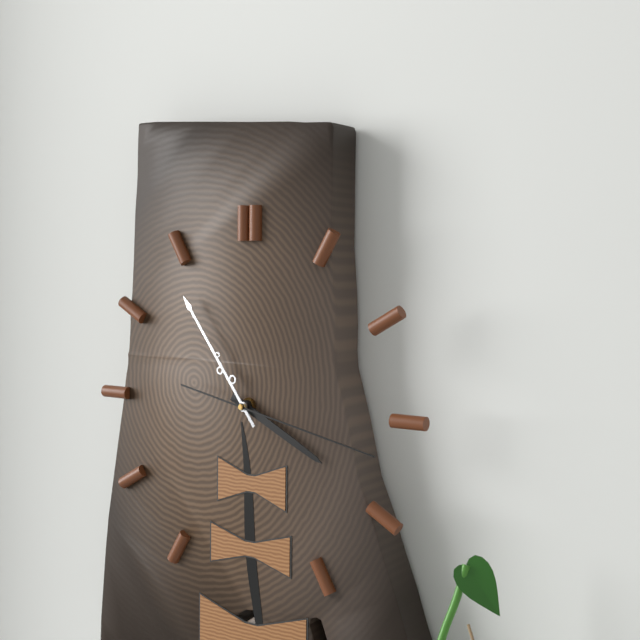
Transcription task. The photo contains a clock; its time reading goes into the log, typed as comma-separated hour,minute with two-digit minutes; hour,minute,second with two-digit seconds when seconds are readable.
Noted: 3,54,17
